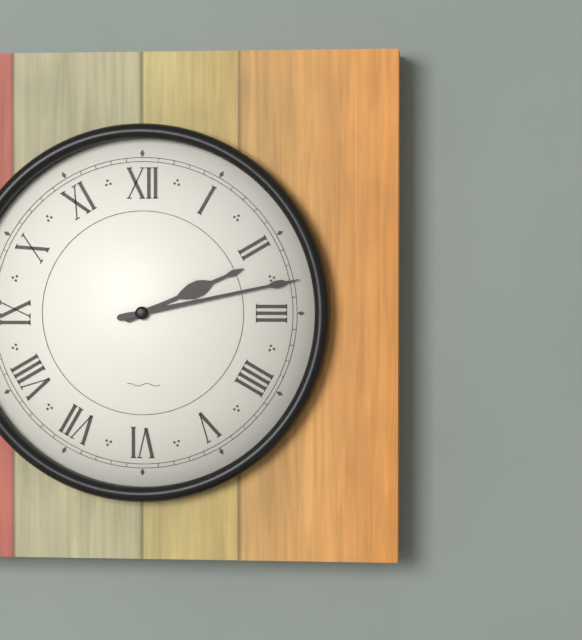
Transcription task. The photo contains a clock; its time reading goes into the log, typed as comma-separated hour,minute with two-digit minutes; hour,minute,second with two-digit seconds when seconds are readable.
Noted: 2,13
